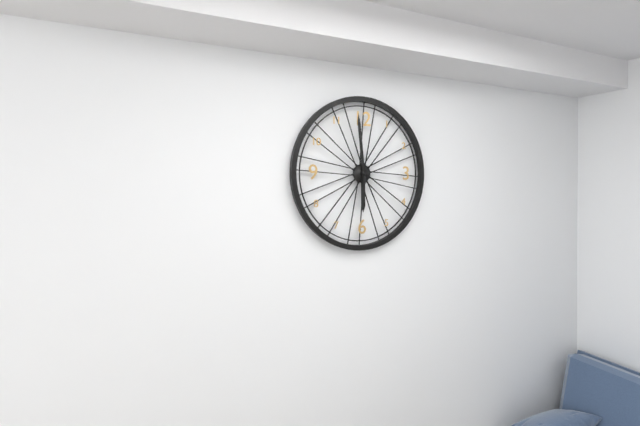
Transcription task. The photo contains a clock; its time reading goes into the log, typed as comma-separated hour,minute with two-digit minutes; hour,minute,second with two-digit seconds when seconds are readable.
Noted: 5,59
